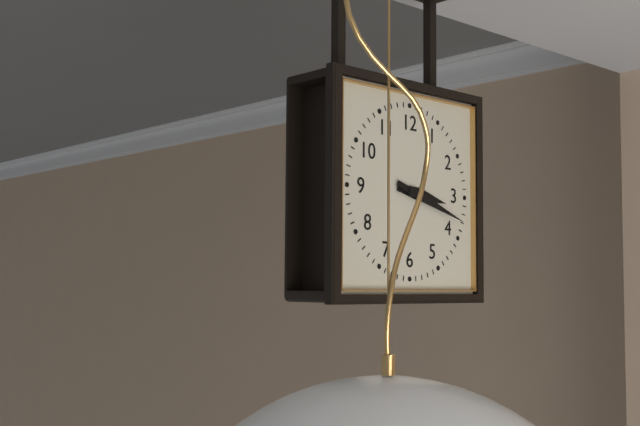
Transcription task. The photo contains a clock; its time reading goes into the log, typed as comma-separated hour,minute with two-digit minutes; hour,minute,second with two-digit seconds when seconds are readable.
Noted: 3,18
